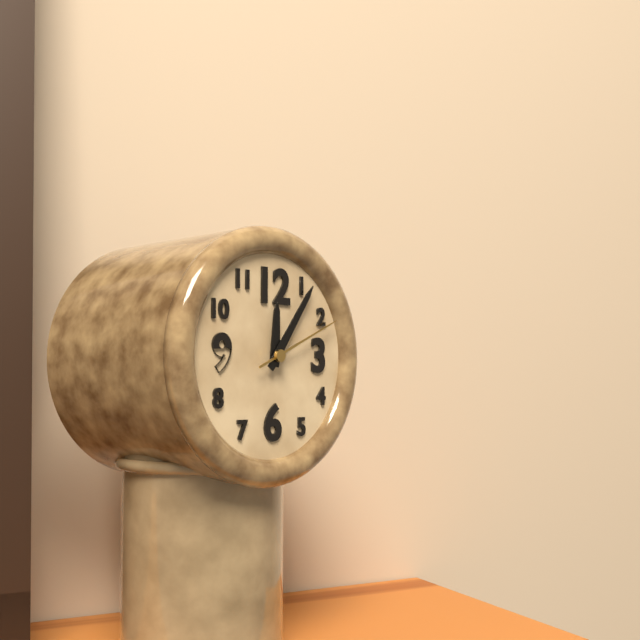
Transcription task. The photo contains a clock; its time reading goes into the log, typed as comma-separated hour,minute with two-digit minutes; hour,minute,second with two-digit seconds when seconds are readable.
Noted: 12,06,11
